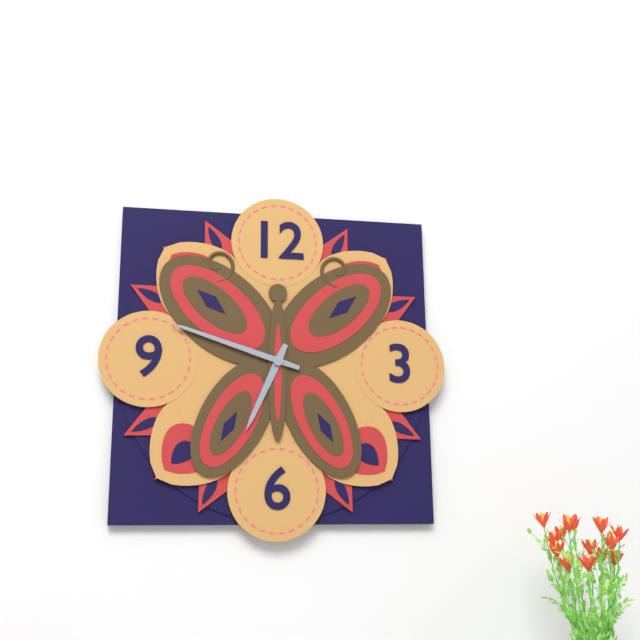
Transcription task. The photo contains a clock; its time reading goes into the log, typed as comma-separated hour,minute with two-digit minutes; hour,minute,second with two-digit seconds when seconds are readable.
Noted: 6,48
